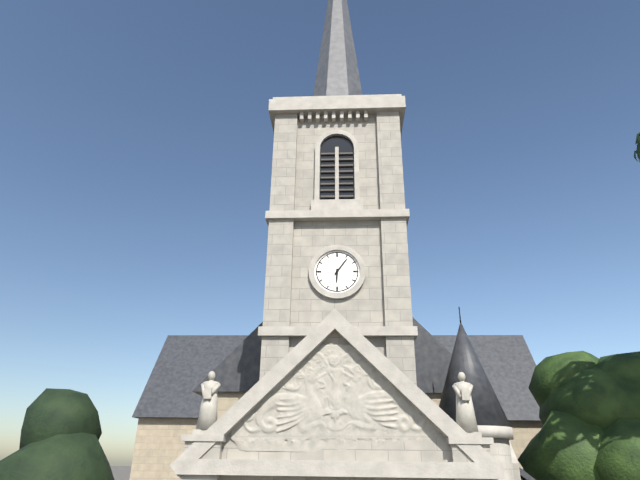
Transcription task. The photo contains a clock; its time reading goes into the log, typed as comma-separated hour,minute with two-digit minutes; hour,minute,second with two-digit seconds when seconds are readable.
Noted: 6,06
